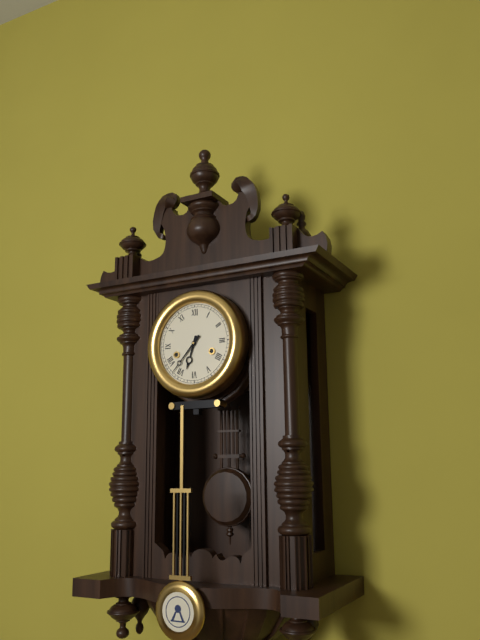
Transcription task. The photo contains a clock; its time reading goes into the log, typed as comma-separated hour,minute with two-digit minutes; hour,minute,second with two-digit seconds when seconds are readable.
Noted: 6,37
